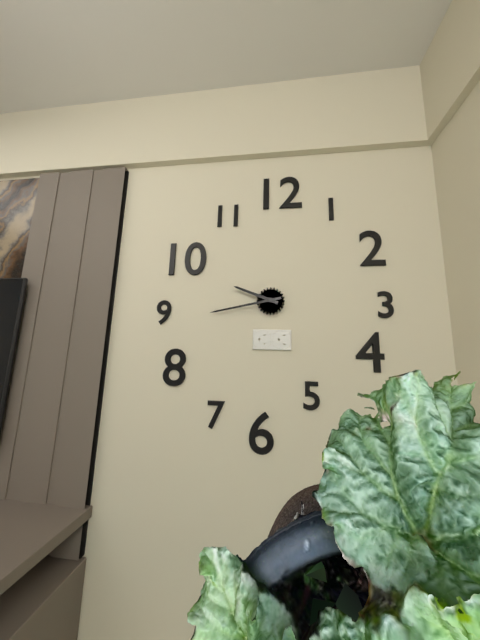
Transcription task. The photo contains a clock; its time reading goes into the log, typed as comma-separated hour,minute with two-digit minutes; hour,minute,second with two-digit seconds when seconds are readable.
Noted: 9,43
